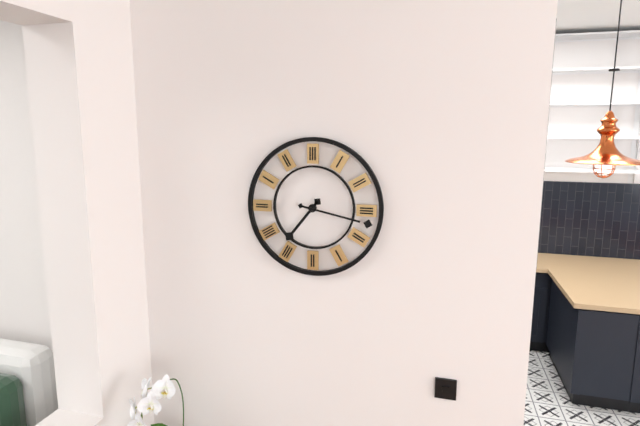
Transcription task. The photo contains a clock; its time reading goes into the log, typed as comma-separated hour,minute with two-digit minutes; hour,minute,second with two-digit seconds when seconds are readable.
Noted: 7,17
